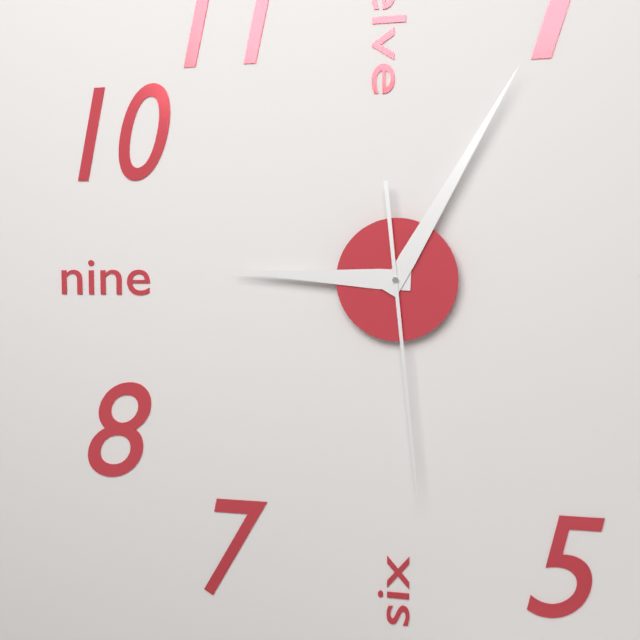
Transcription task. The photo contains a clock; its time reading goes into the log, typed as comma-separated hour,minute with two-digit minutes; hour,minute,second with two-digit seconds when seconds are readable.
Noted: 9,05,29
